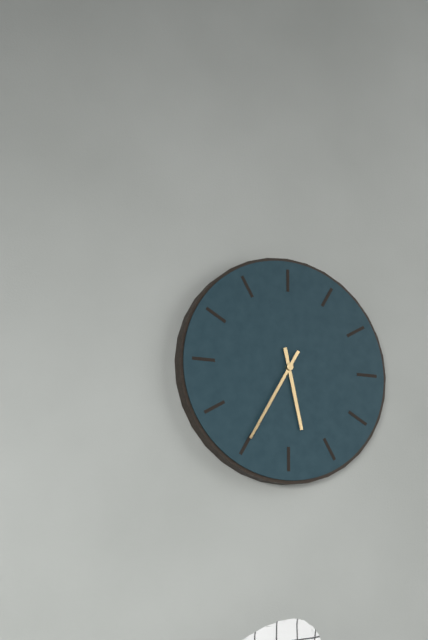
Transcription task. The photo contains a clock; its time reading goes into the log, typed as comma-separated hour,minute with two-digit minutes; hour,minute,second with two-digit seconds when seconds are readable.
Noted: 5,35
